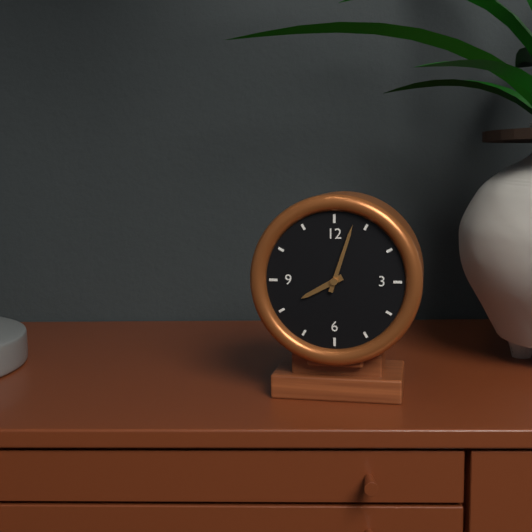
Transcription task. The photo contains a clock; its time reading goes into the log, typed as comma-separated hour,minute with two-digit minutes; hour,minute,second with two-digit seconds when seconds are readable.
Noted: 8,03
